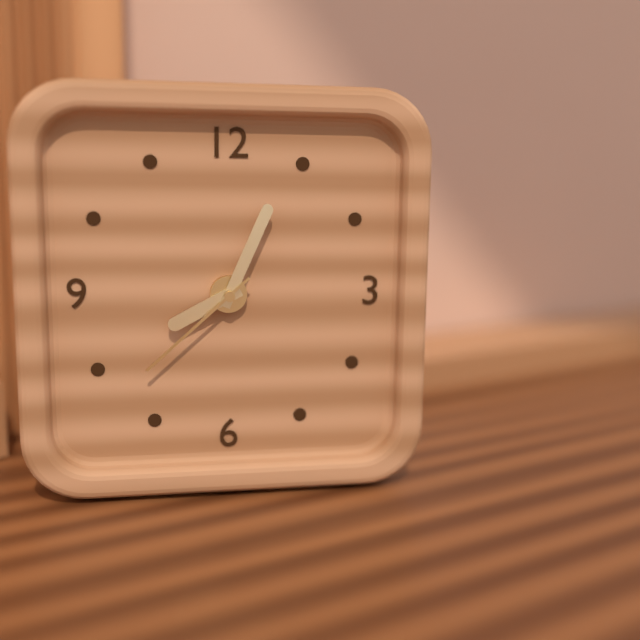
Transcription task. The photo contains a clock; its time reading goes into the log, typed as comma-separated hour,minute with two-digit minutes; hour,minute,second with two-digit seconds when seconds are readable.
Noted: 8,04,38
